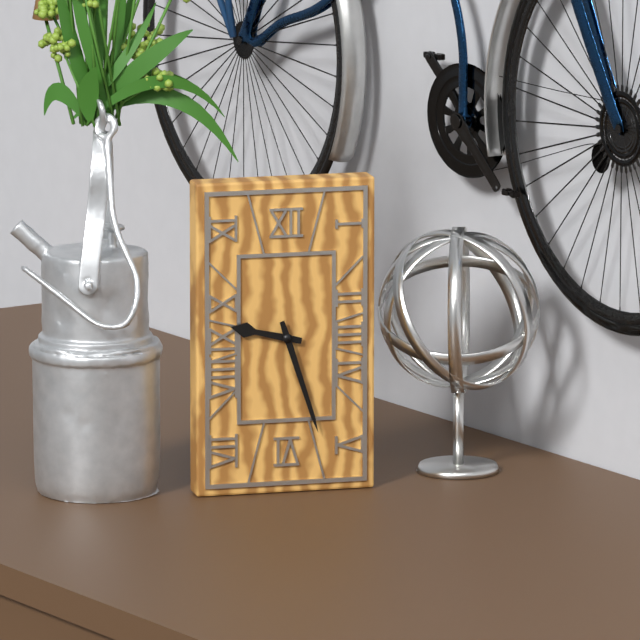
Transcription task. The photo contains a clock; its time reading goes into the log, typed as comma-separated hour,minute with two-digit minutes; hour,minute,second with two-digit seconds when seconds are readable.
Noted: 9,27
